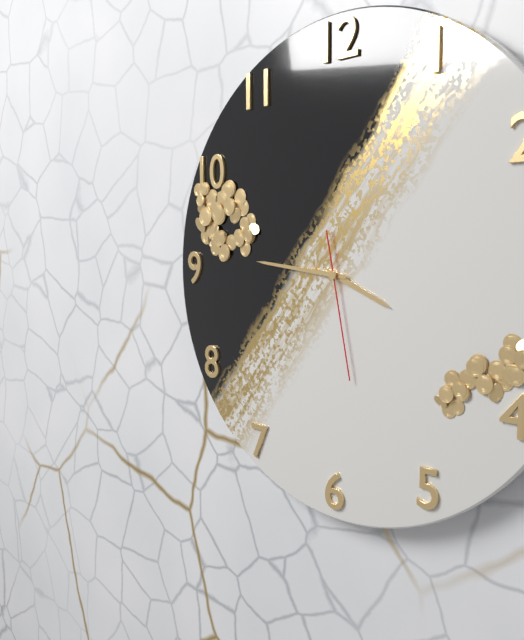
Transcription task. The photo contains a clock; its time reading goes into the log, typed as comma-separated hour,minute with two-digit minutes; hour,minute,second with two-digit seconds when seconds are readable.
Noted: 3,46,28
